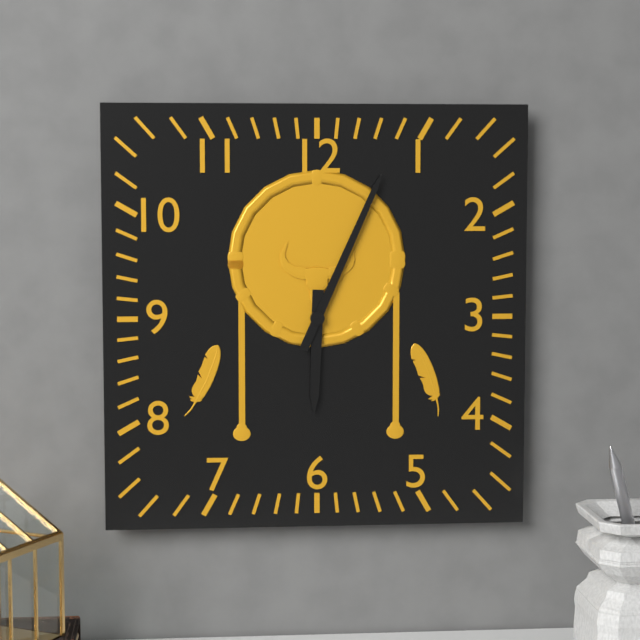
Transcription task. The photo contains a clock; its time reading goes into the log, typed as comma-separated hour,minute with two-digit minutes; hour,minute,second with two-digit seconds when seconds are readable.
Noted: 6,04
